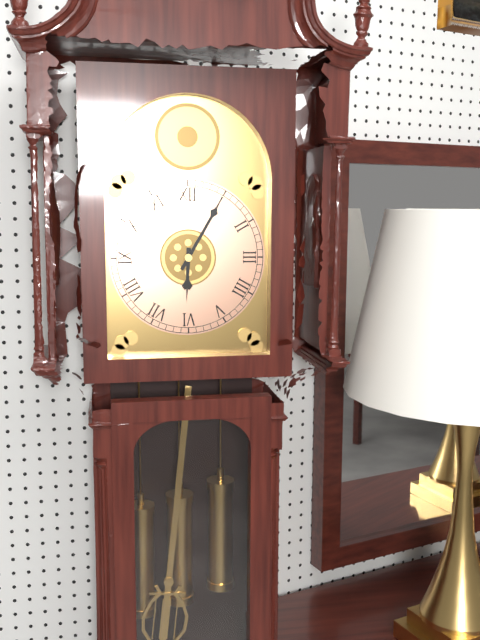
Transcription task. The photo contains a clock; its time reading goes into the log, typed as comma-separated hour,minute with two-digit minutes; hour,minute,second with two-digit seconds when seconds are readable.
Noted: 6,05
